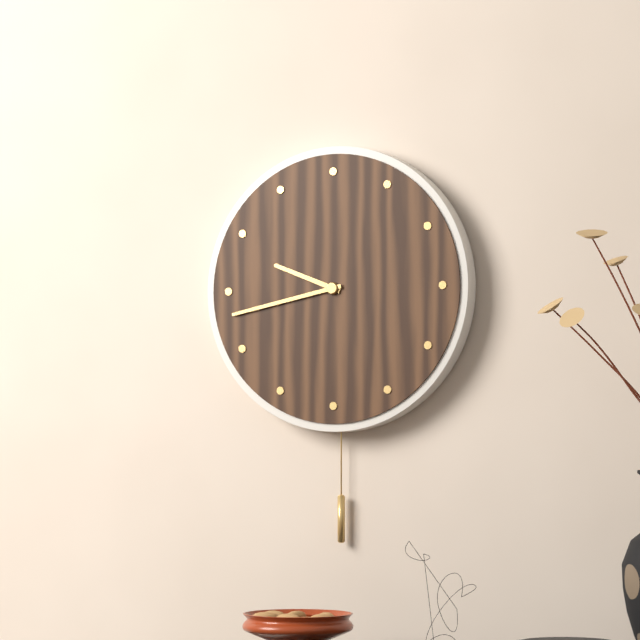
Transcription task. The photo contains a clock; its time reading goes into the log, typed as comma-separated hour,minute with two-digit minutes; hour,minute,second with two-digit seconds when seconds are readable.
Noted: 9,43
